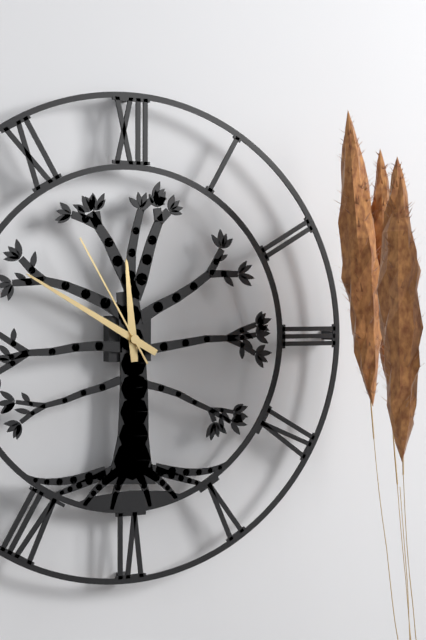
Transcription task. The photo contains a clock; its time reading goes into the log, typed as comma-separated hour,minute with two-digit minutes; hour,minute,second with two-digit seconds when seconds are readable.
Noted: 11,50,55
